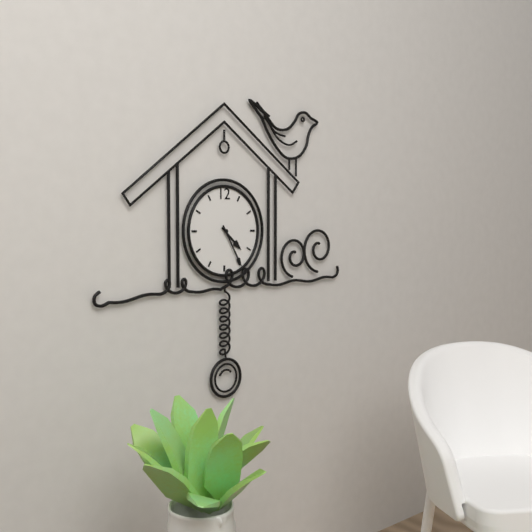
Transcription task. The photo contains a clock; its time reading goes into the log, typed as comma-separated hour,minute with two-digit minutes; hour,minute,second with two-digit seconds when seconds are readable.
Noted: 4,25
